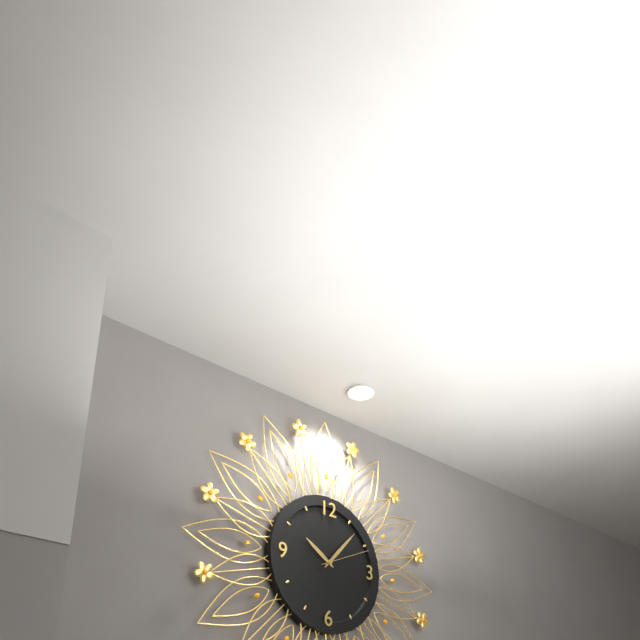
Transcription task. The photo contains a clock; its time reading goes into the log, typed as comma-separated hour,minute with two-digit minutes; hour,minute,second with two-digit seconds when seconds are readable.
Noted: 10,07,11
